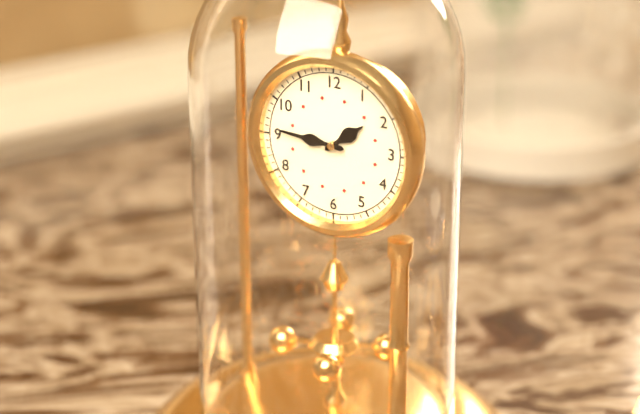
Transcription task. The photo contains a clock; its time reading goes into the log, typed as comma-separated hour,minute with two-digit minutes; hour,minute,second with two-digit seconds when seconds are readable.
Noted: 1,46
